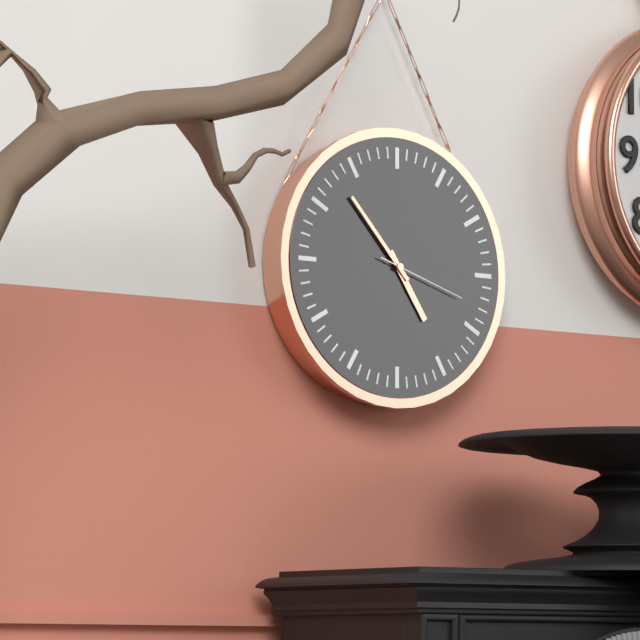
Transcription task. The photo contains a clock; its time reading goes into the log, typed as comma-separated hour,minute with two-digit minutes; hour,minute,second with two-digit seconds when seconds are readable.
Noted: 4,53,18
